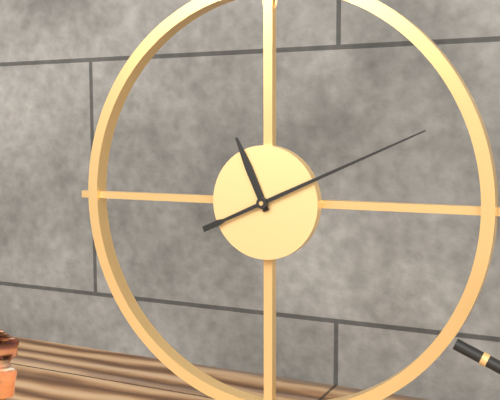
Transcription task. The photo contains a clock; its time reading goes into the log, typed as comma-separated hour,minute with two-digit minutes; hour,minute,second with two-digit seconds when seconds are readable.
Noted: 11,11
